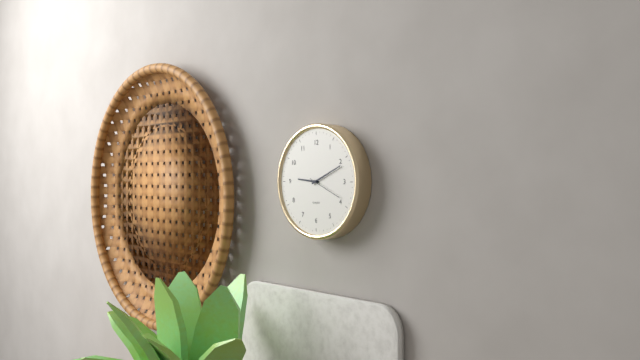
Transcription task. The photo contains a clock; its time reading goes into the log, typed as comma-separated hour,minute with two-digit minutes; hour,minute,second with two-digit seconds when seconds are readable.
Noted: 9,11
